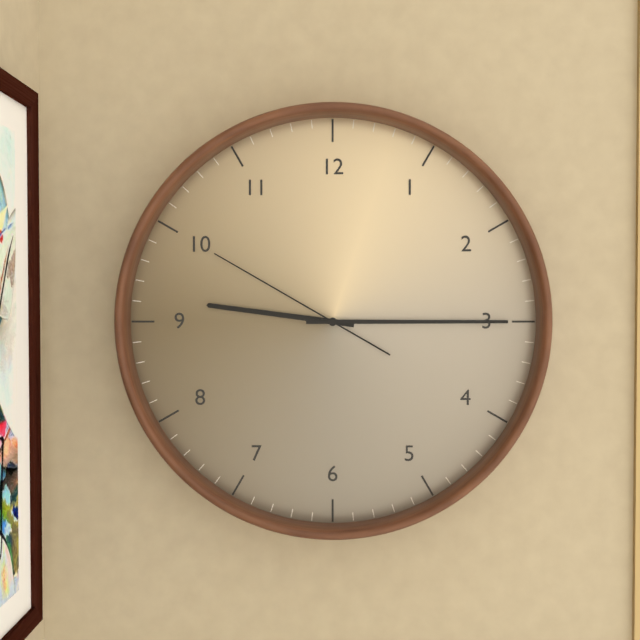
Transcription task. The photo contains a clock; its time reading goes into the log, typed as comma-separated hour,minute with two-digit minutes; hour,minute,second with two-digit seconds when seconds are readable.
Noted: 9,15,50
